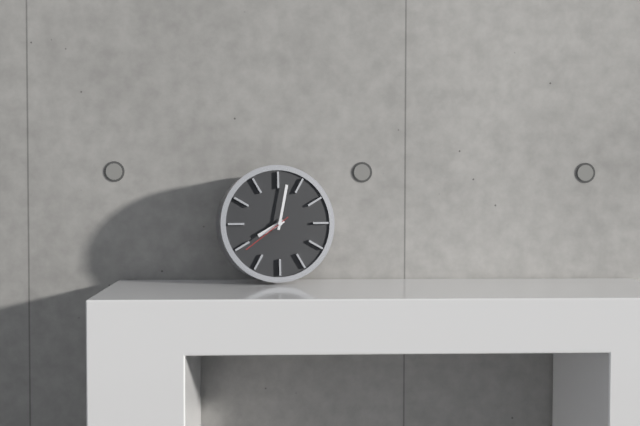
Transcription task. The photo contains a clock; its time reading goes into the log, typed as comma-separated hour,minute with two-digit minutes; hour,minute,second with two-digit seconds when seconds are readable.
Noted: 8,02,39
